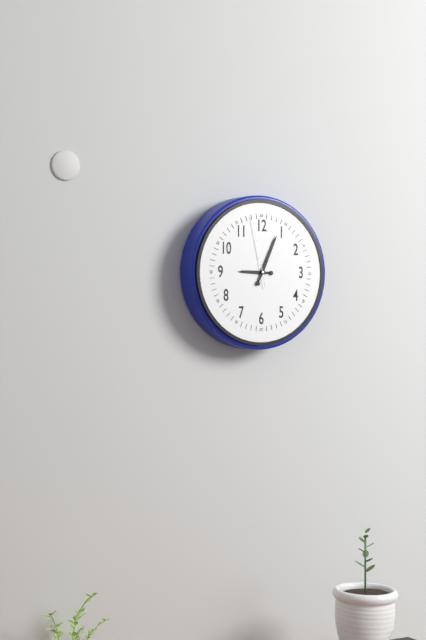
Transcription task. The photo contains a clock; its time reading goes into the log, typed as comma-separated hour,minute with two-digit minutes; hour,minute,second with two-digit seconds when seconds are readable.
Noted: 9,04,58
